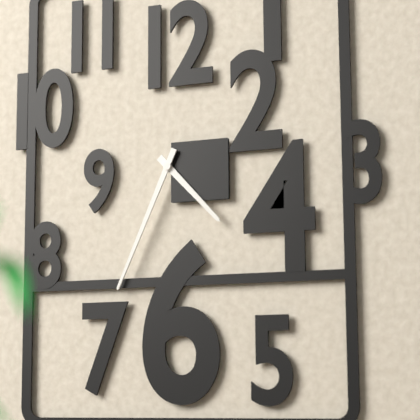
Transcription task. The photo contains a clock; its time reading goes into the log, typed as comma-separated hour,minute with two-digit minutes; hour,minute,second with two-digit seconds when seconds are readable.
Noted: 4,34
